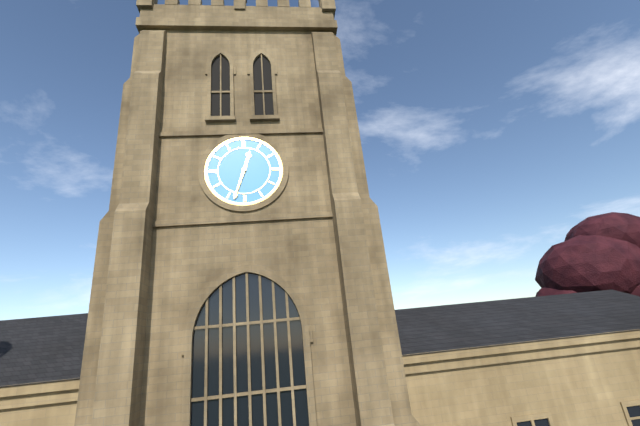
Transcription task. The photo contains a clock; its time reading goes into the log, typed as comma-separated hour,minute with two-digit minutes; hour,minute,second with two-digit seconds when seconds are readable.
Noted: 12,33
